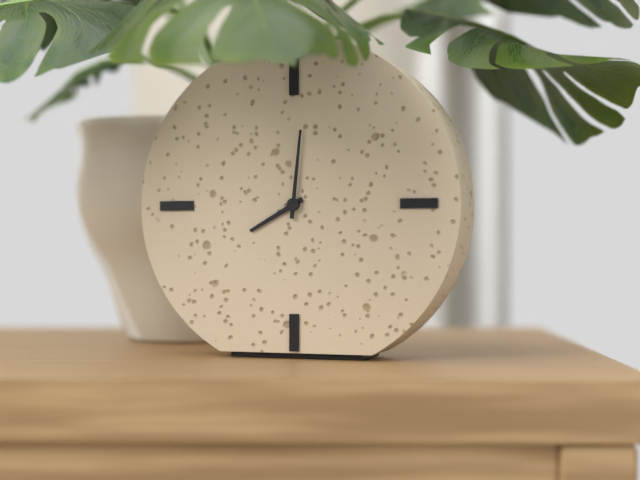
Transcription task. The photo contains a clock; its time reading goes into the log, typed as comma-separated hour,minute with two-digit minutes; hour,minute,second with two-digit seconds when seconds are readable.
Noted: 8,01
